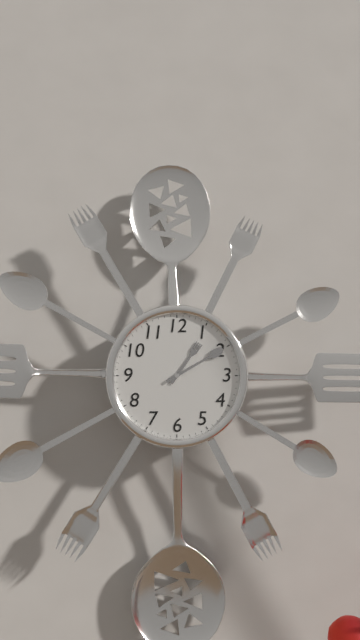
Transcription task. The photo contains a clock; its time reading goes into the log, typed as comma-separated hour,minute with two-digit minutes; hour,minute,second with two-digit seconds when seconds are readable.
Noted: 1,10
